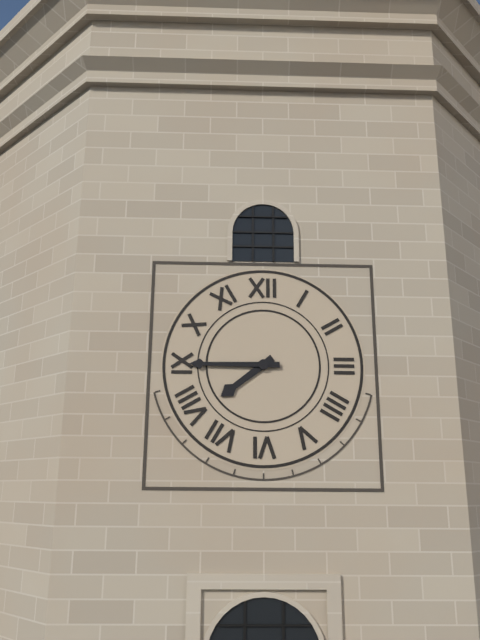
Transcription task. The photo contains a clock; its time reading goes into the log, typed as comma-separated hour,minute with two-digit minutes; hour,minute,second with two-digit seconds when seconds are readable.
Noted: 7,45
